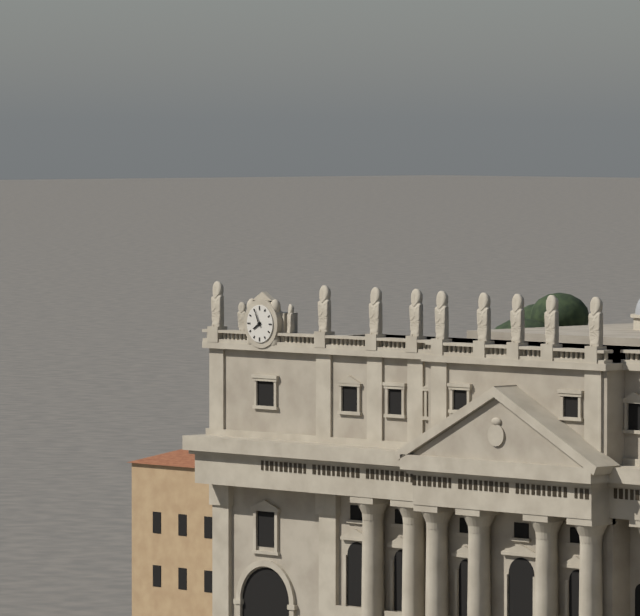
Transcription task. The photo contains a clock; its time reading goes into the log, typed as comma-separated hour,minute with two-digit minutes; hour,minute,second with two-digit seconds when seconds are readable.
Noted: 7,56
